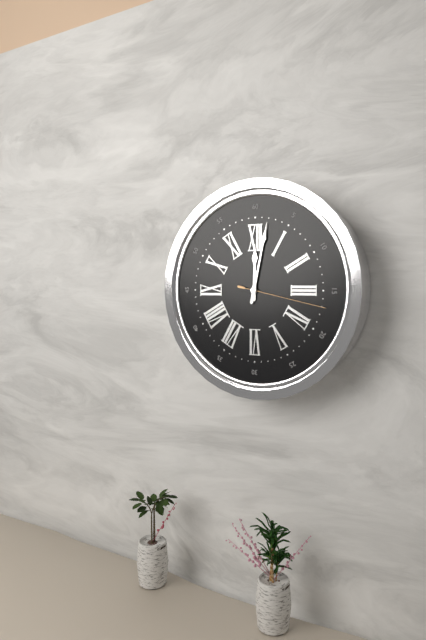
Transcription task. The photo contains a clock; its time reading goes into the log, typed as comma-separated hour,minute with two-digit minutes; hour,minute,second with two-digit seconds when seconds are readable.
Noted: 12,02,17
